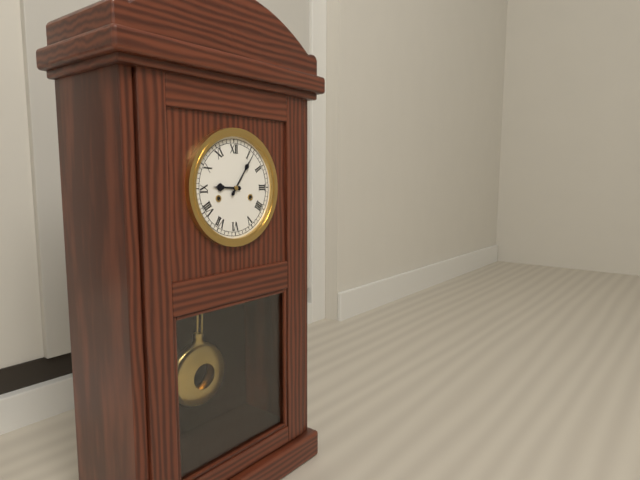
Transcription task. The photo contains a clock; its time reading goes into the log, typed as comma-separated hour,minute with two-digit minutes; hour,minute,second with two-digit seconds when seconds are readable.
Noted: 9,06
